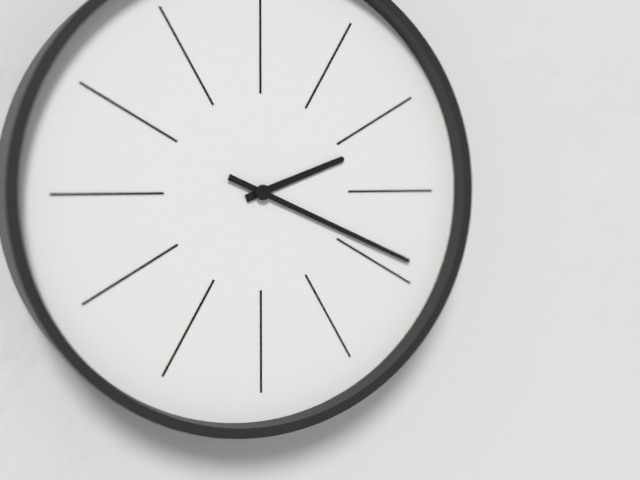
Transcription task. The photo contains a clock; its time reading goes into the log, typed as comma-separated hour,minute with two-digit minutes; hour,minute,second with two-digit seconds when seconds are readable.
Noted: 2,19
